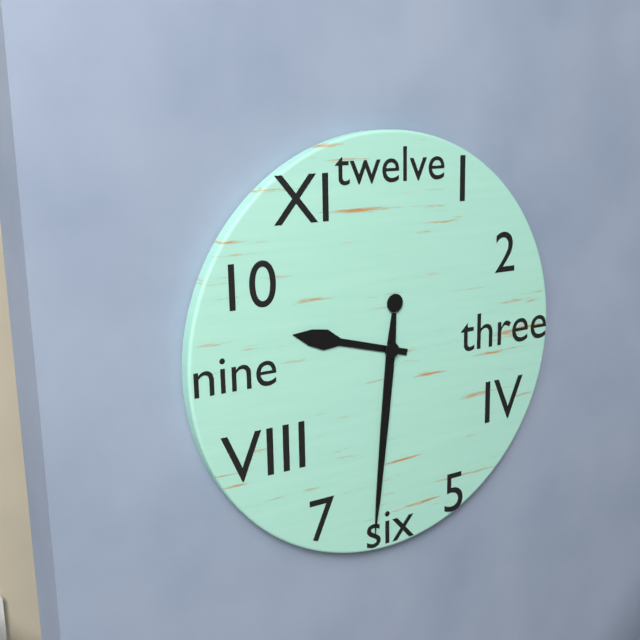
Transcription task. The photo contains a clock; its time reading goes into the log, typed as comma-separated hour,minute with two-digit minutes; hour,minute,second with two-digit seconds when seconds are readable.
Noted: 9,31
